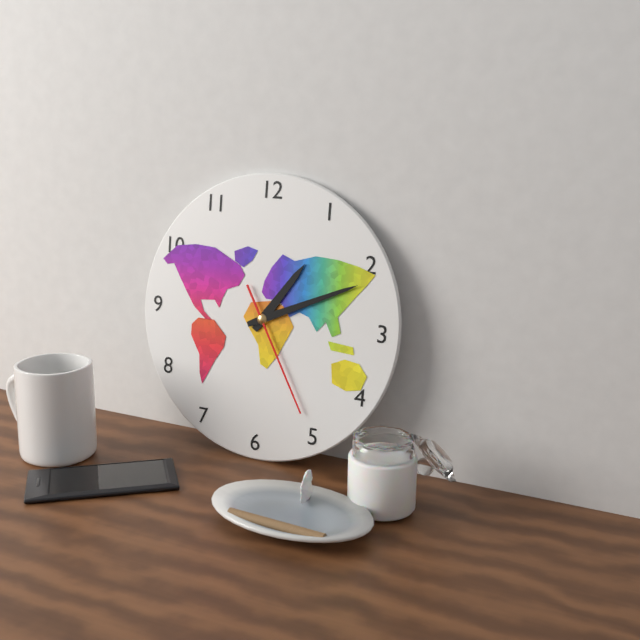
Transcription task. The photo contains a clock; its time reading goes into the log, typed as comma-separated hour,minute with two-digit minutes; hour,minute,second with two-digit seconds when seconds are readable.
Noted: 1,11,25
